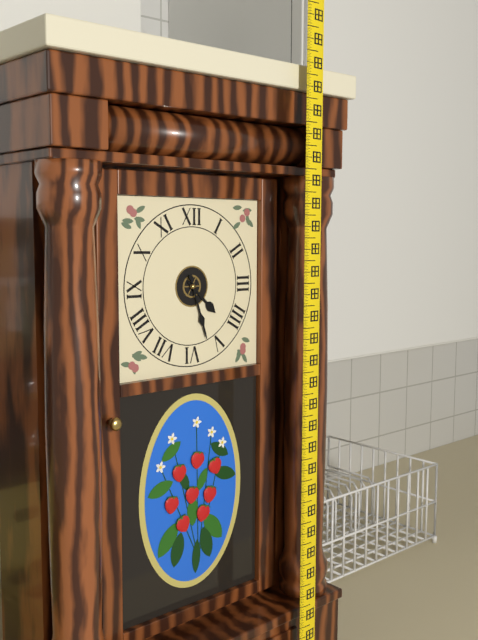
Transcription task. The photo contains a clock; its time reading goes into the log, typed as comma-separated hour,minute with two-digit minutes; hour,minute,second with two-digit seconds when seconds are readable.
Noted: 4,27
